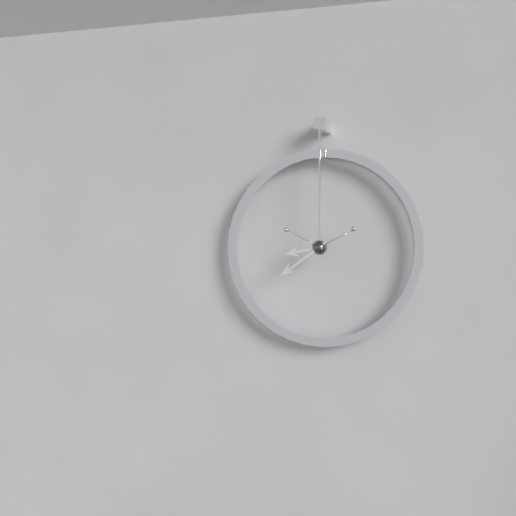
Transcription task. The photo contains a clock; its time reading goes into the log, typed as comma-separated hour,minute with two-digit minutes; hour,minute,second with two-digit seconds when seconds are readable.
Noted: 8,39
